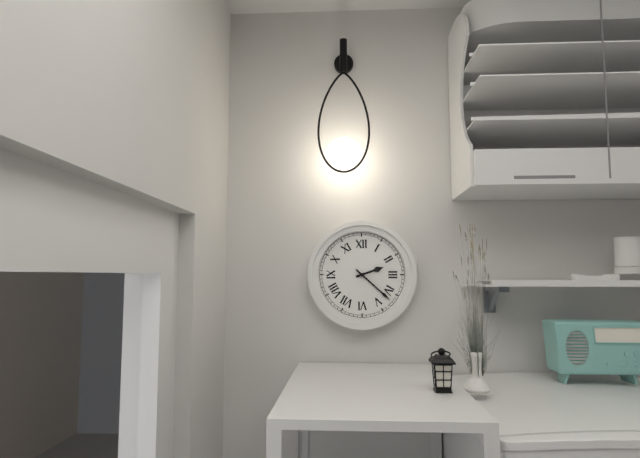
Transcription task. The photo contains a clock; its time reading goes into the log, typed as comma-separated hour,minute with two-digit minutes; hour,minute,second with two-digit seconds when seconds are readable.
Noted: 2,22
